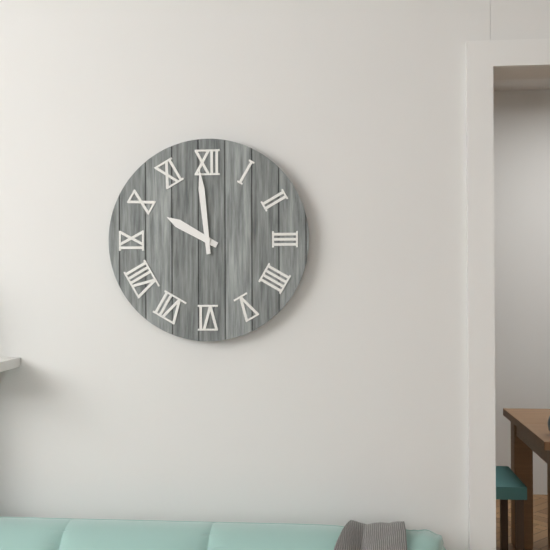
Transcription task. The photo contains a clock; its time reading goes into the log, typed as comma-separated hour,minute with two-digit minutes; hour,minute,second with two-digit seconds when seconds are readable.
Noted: 9,59
